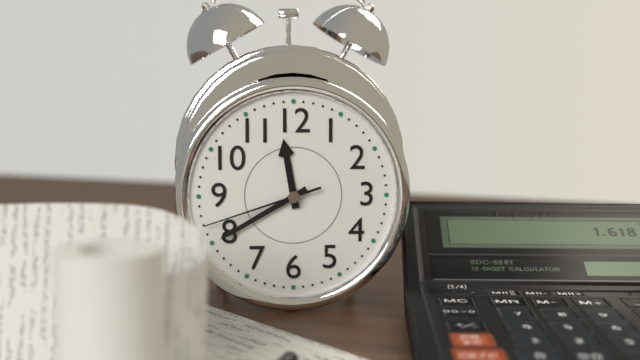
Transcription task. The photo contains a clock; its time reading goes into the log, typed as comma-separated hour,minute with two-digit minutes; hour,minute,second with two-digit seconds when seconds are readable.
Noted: 11,40,42
